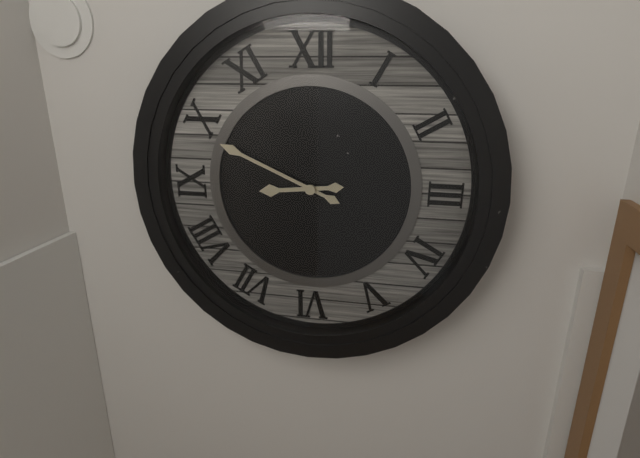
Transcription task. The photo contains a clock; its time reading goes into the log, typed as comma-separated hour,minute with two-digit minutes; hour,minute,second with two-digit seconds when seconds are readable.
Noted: 8,49
